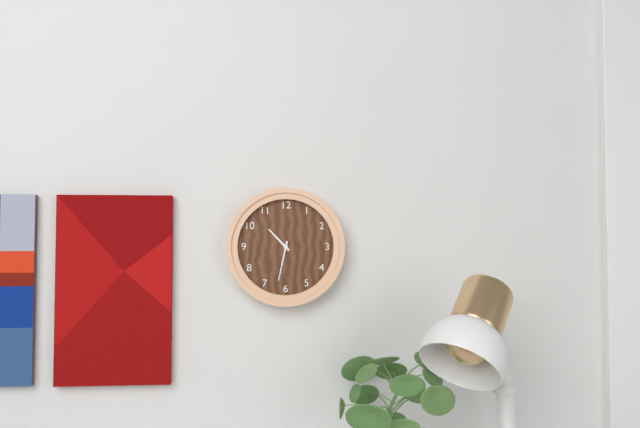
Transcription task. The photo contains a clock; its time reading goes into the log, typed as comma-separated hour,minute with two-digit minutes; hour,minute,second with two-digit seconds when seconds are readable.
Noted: 10,32
